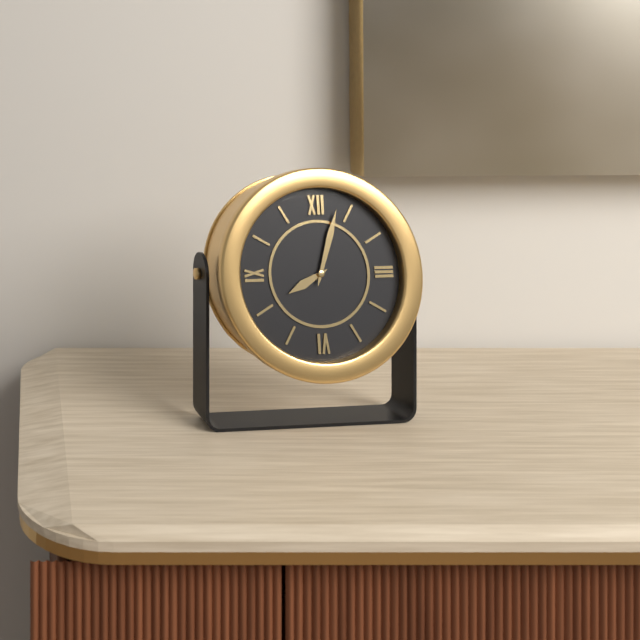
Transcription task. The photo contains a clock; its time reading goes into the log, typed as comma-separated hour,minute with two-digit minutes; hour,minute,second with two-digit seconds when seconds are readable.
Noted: 8,03
